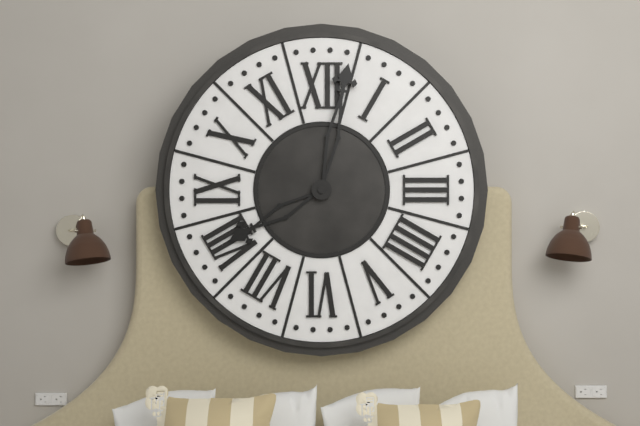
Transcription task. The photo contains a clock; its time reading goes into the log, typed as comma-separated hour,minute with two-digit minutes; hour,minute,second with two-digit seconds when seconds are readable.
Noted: 8,02
